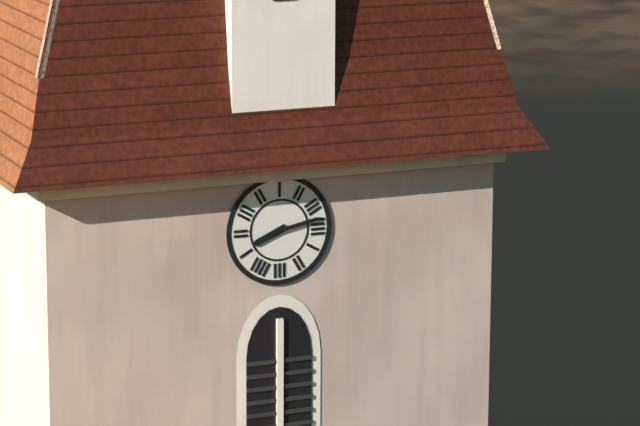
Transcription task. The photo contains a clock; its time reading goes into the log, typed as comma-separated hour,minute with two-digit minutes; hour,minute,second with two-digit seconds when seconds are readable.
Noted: 8,13
